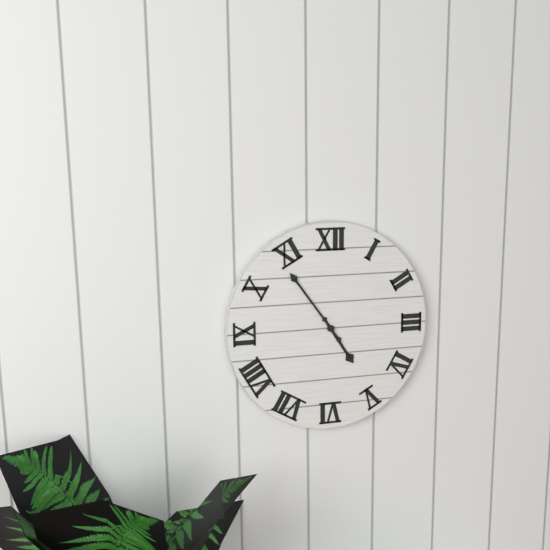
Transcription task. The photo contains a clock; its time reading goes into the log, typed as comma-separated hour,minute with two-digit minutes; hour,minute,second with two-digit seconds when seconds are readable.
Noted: 4,54
